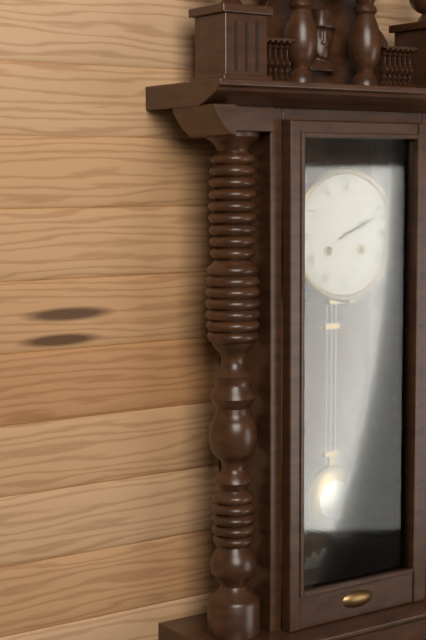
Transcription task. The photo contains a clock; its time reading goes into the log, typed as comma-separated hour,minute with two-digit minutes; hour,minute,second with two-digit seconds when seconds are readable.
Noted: 2,11
